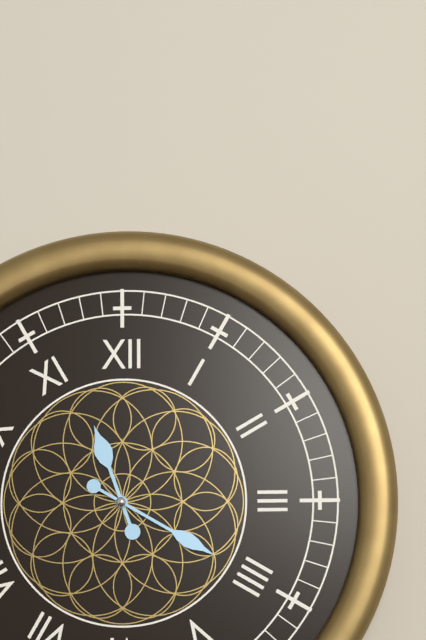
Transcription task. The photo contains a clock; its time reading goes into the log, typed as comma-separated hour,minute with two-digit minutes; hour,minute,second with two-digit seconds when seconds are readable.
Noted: 11,20
